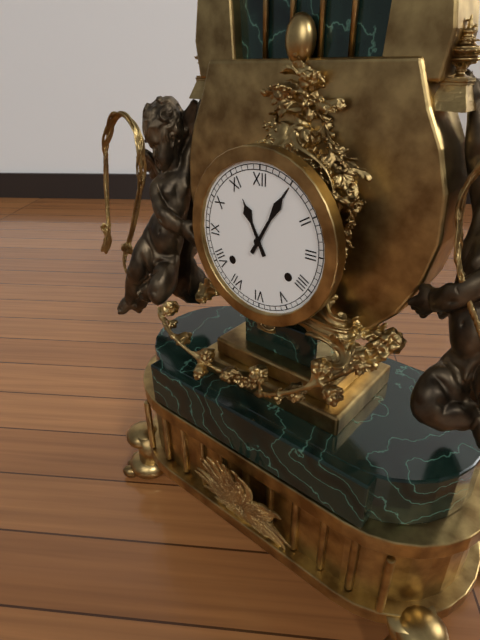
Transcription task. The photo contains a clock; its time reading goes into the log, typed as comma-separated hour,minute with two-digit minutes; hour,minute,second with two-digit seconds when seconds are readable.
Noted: 11,05
